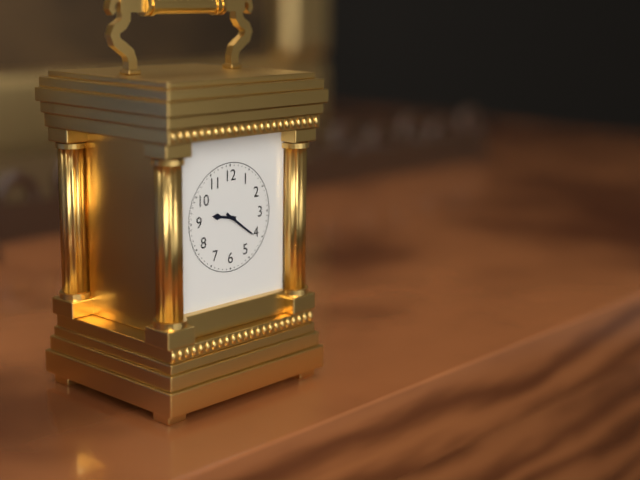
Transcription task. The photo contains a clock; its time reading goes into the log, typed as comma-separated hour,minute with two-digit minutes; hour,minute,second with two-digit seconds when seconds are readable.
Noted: 9,21
